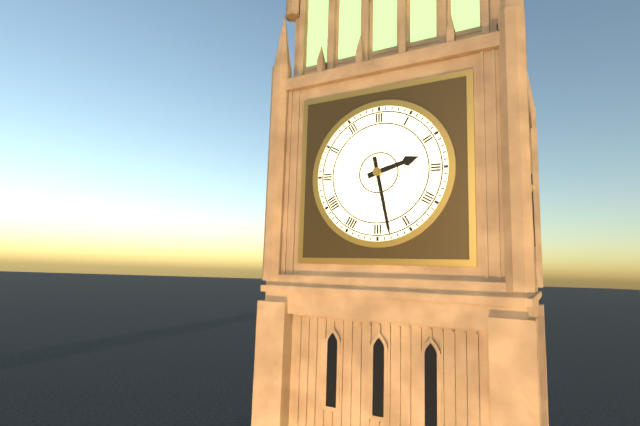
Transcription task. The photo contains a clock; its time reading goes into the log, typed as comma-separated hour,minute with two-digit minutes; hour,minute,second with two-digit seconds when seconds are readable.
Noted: 2,28
